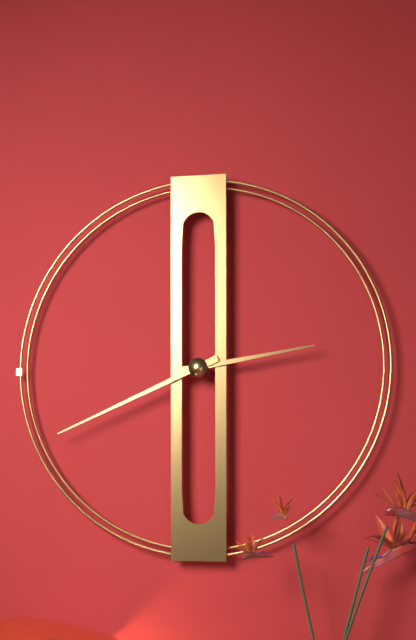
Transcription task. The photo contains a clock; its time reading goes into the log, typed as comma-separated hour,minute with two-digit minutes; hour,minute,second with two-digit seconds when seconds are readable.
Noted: 2,41
